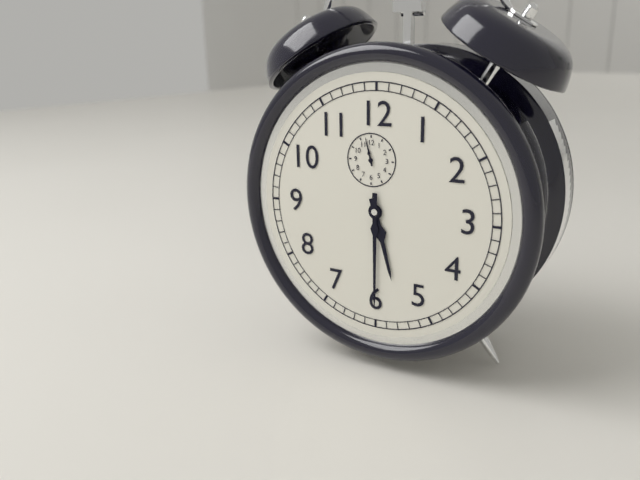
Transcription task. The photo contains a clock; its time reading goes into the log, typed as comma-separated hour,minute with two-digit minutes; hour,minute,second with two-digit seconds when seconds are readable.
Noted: 5,30
